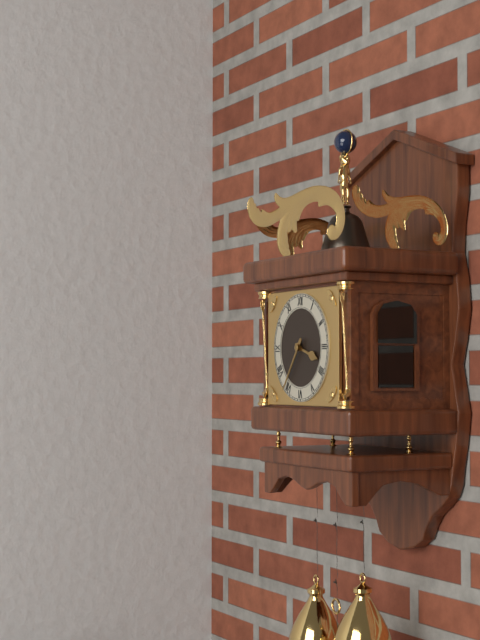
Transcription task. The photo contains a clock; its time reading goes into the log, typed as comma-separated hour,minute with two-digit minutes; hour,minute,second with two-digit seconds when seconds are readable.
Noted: 3,36
